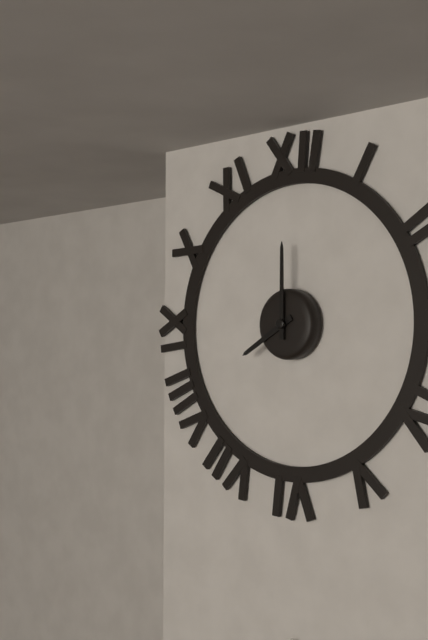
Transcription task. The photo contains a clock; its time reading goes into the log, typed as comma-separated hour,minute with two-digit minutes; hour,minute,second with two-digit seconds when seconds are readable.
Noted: 8,00
